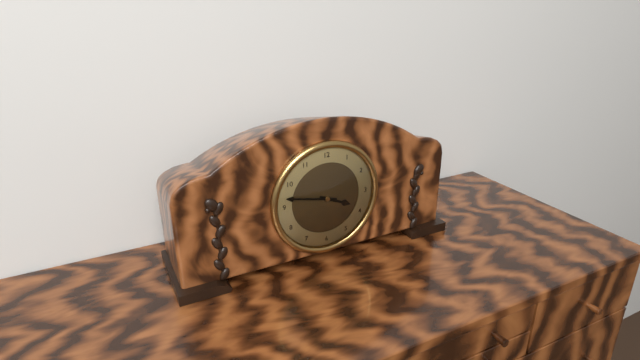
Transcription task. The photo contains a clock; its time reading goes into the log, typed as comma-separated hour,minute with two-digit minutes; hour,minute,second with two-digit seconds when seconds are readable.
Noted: 3,47
